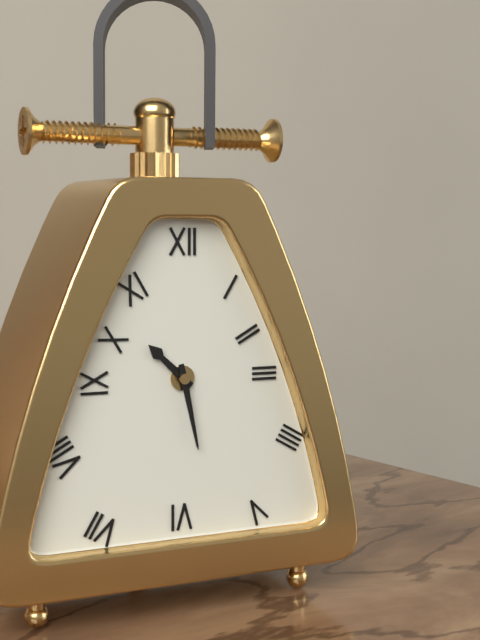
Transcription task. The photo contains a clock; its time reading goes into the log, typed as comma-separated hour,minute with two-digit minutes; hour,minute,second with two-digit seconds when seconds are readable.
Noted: 10,28
